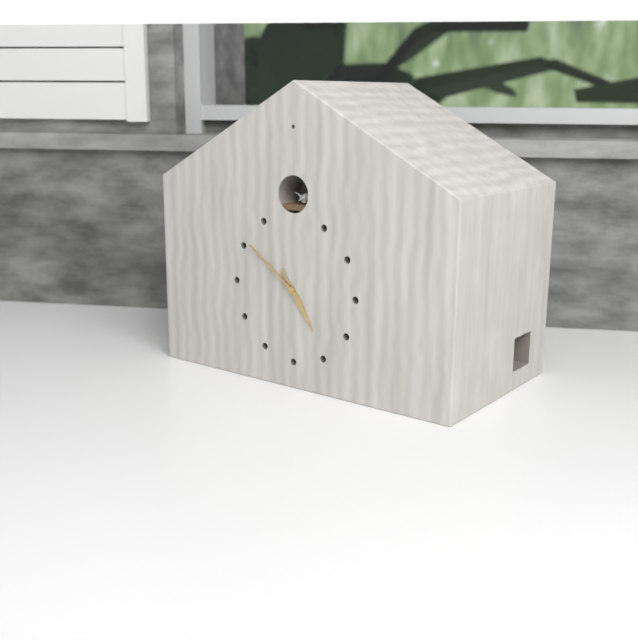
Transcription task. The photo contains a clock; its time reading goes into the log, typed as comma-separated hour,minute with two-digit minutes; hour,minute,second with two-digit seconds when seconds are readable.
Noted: 4,51
